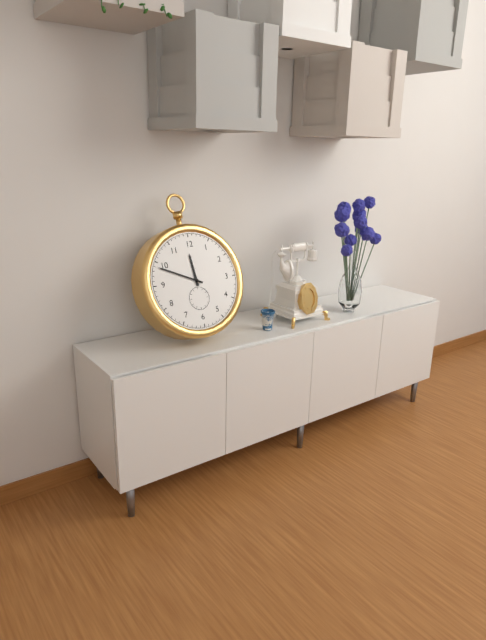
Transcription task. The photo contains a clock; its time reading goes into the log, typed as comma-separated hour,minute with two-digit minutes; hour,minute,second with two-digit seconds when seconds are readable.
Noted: 11,49
